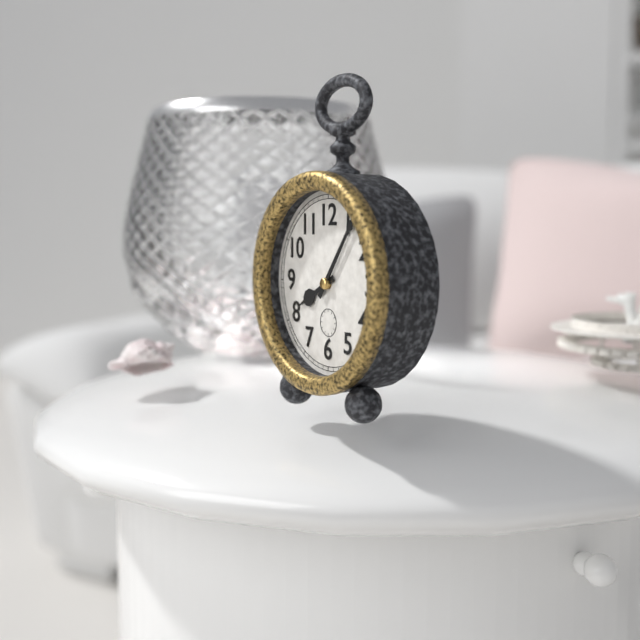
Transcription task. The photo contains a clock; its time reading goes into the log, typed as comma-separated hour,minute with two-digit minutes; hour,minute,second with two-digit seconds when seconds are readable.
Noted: 8,06
